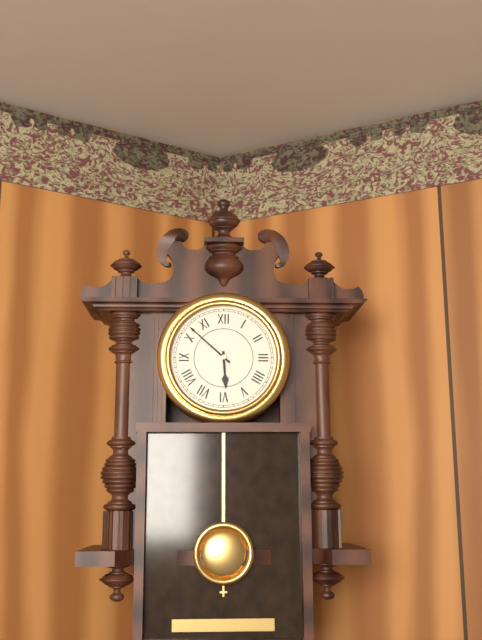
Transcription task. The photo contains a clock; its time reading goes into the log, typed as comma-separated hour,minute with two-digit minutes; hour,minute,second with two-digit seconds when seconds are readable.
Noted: 5,52
